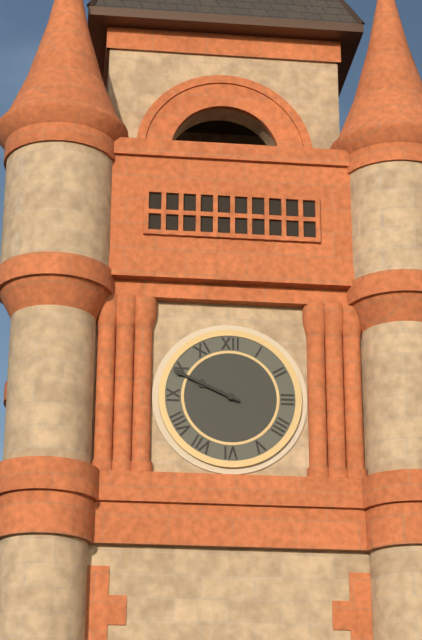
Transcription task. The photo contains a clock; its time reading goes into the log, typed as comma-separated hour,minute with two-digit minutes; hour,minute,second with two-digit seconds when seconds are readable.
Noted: 9,49
